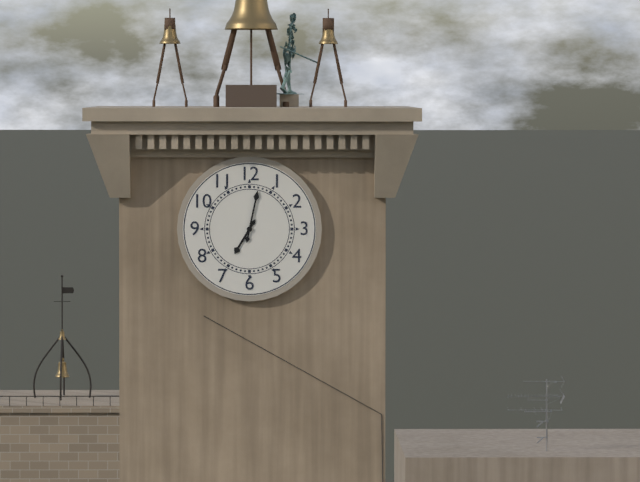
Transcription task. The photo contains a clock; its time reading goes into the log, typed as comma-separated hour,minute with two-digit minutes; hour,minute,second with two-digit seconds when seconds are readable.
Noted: 7,02
